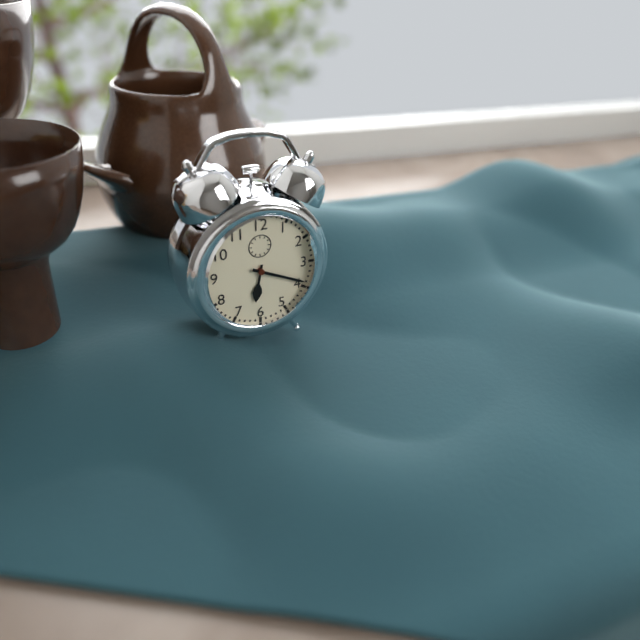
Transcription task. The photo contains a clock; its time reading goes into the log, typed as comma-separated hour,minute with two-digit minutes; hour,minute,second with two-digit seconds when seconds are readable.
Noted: 6,19
